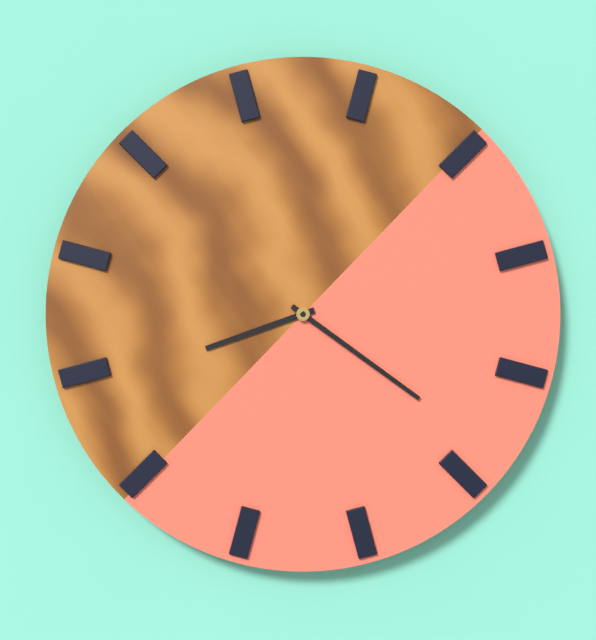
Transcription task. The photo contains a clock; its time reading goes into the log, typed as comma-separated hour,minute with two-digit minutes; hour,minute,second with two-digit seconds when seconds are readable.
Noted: 8,21
